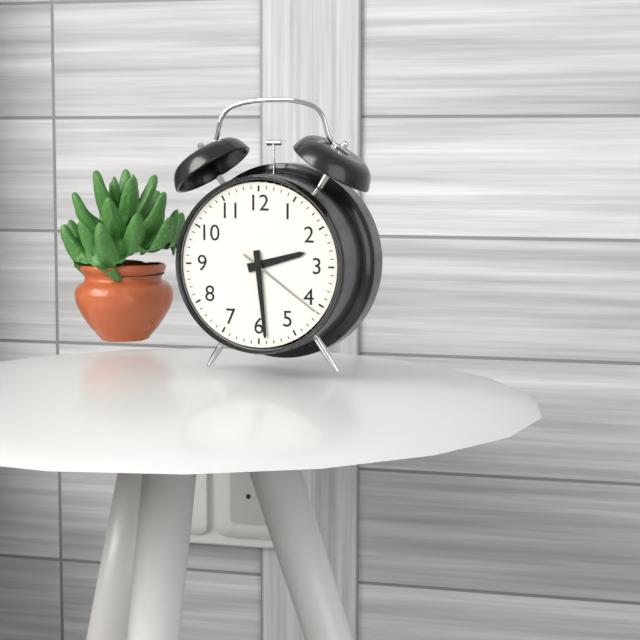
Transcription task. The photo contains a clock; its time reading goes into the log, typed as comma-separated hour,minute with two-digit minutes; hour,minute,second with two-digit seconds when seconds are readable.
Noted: 2,29,21
